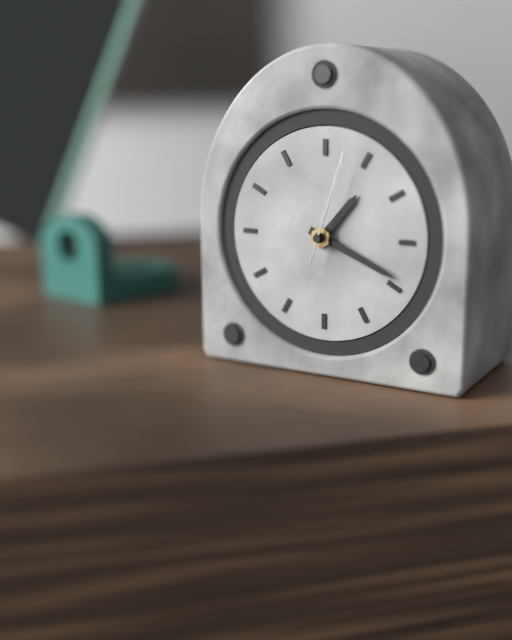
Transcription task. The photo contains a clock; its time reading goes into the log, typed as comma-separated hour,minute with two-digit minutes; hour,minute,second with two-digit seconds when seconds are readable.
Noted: 1,19,03
